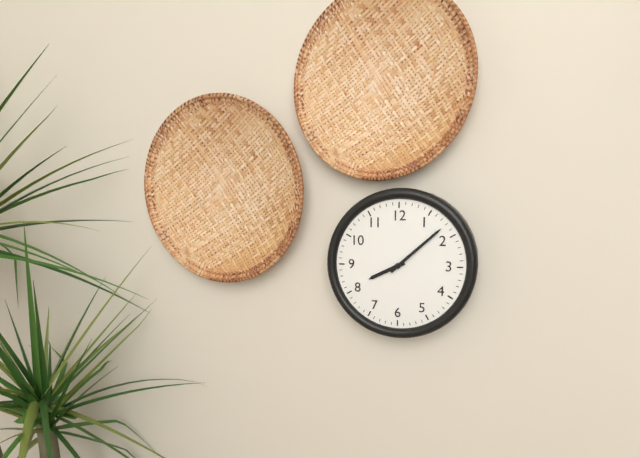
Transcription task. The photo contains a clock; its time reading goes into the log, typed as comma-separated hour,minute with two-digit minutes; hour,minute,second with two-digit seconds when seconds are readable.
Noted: 8,08
